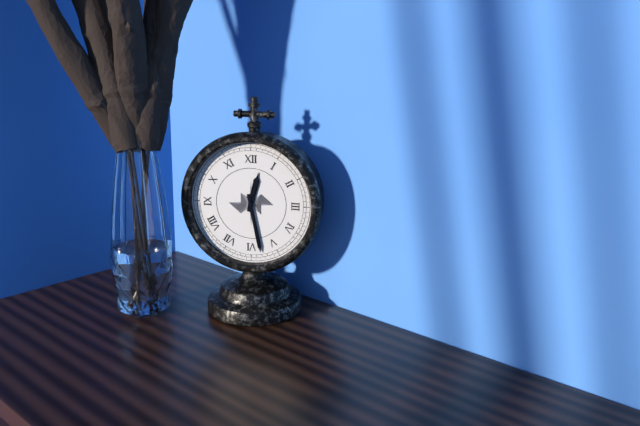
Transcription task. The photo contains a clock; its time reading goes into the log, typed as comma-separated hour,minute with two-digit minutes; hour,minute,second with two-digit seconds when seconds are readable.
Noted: 12,28
